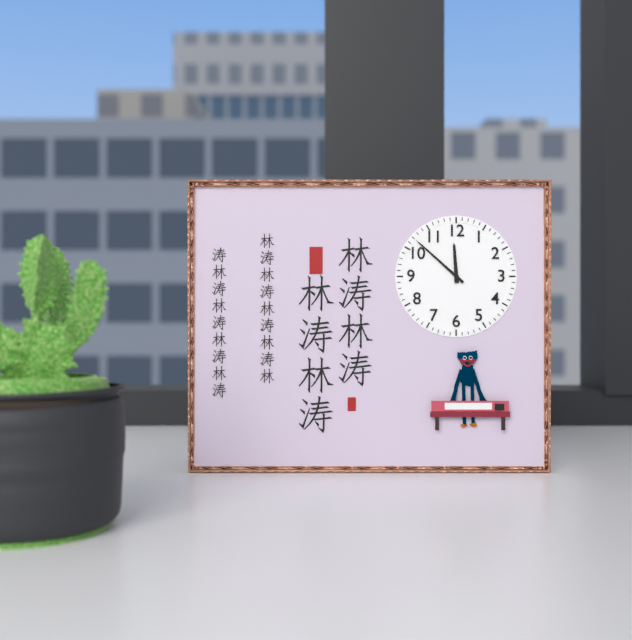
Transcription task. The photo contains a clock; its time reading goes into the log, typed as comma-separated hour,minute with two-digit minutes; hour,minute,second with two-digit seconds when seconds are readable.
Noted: 11,52
